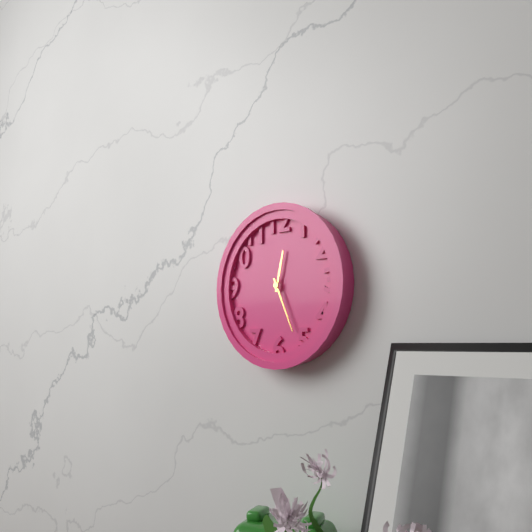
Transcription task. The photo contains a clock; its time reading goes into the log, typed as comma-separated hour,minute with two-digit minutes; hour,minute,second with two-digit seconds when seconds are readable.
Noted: 12,26
